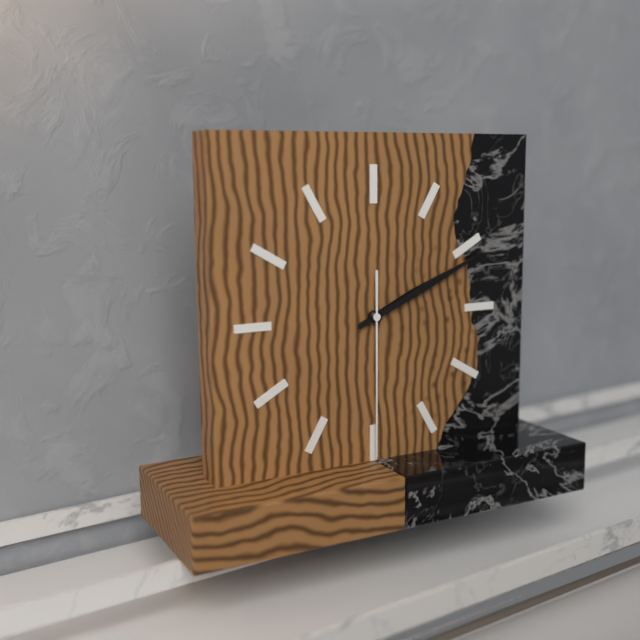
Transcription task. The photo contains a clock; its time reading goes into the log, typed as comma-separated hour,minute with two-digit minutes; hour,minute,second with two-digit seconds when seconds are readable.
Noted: 2,11,30
